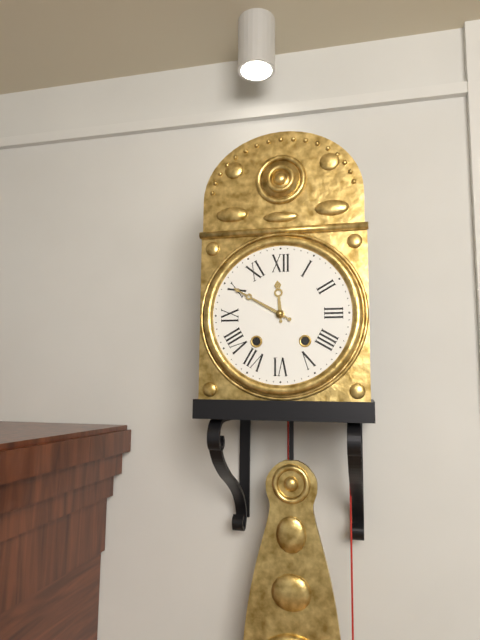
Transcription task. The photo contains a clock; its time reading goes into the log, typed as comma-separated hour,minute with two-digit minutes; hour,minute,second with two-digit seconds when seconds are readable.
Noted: 11,50
